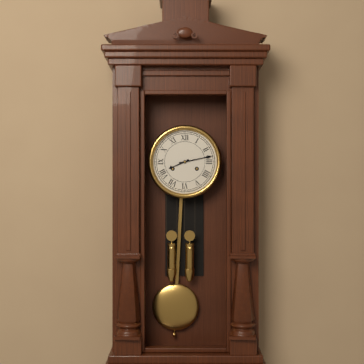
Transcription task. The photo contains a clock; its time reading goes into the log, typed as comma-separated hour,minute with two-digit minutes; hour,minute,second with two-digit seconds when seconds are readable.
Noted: 8,13
